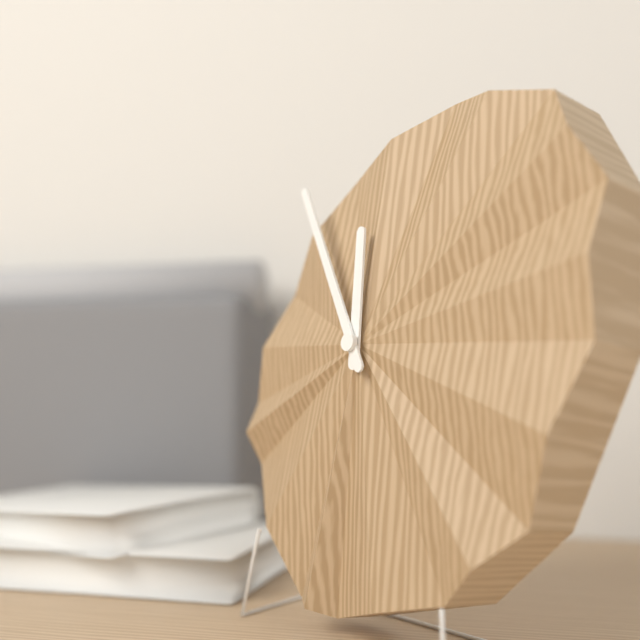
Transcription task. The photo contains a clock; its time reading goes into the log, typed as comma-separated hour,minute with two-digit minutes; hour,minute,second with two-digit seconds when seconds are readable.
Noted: 11,55
